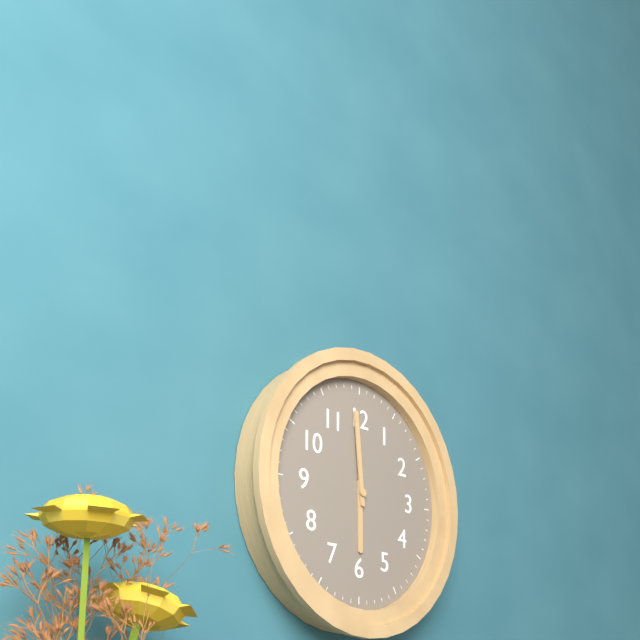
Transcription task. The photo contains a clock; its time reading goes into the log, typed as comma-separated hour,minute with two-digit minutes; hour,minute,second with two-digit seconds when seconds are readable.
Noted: 5,59
